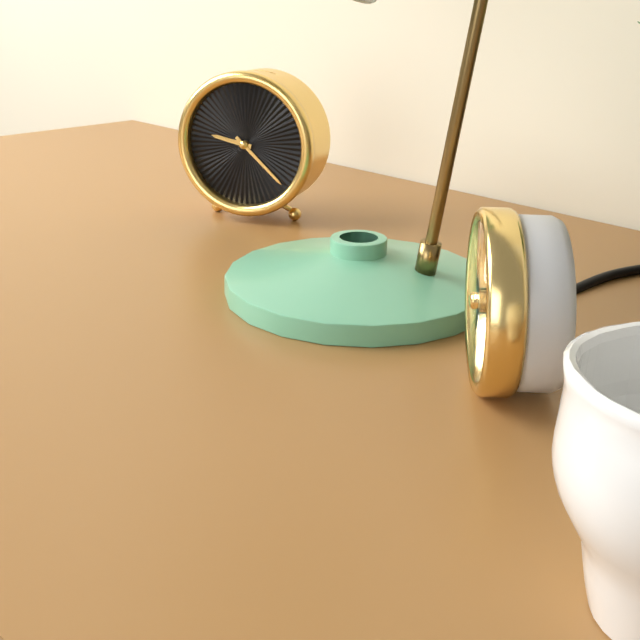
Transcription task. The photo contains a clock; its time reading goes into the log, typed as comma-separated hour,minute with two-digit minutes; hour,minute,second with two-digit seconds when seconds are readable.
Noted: 9,22
